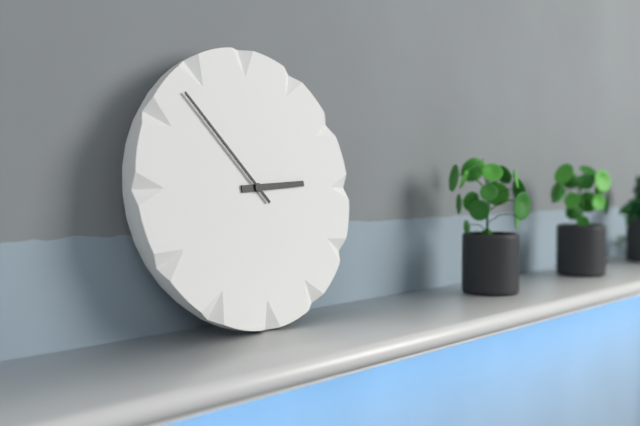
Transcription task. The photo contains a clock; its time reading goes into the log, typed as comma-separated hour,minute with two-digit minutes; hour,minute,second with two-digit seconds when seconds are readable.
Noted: 2,53
